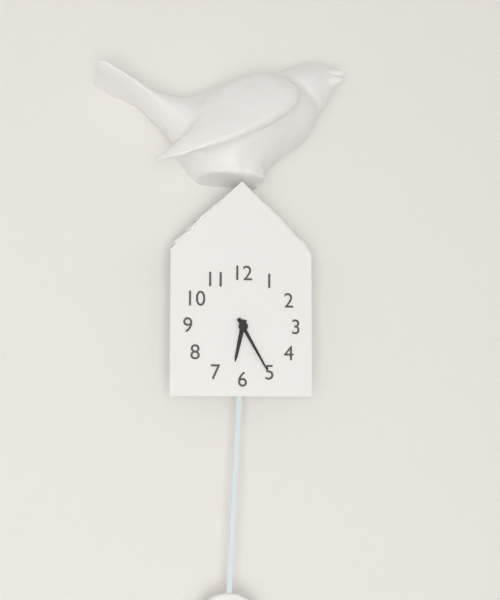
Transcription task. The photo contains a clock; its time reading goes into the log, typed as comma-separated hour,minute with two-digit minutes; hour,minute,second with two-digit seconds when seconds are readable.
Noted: 6,25
